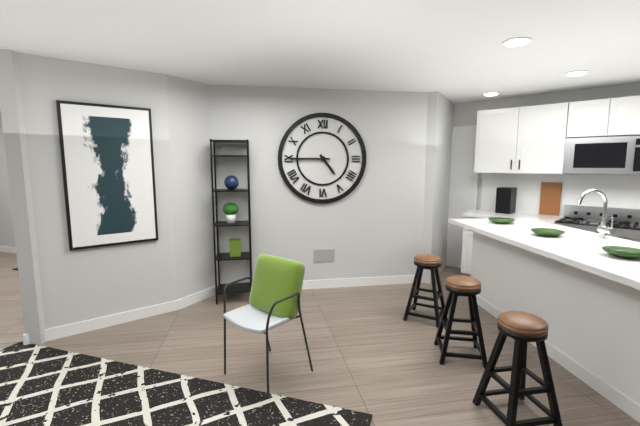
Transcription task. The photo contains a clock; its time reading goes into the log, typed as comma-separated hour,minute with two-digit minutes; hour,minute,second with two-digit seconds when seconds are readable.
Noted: 4,45
